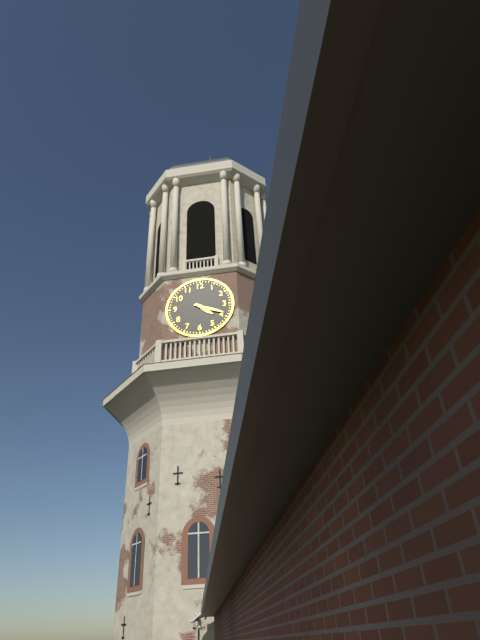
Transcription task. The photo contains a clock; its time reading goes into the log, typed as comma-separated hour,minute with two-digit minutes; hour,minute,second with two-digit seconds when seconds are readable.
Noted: 4,19
